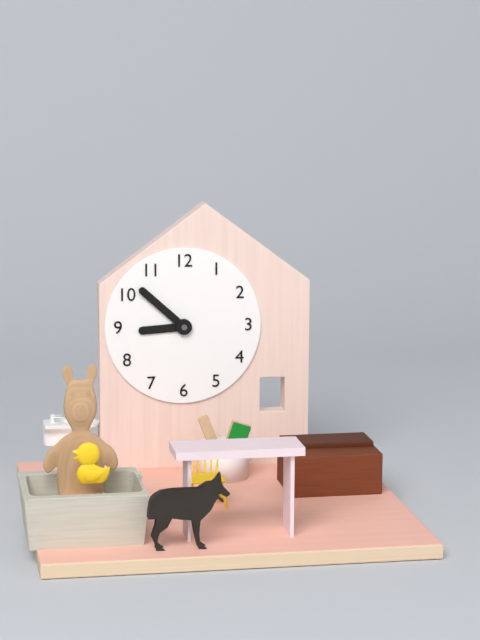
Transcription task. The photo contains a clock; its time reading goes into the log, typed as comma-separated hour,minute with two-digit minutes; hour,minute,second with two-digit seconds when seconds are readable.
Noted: 8,52
